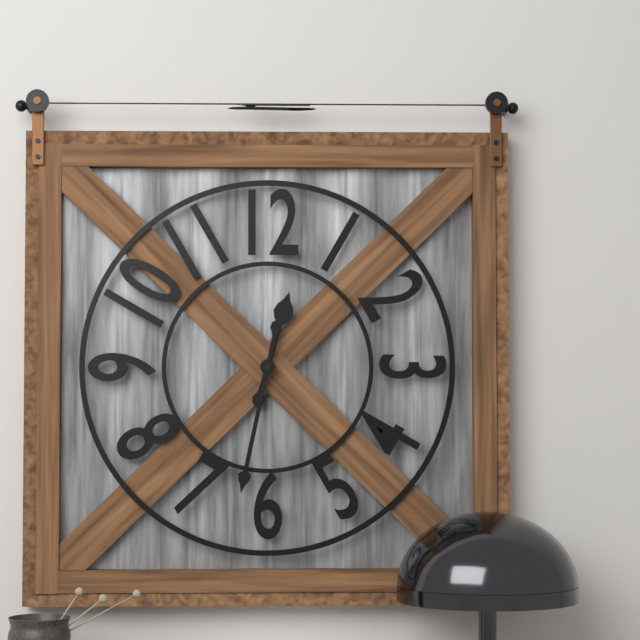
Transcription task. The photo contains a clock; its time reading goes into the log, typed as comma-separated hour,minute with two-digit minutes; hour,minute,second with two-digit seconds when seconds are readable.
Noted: 12,32
